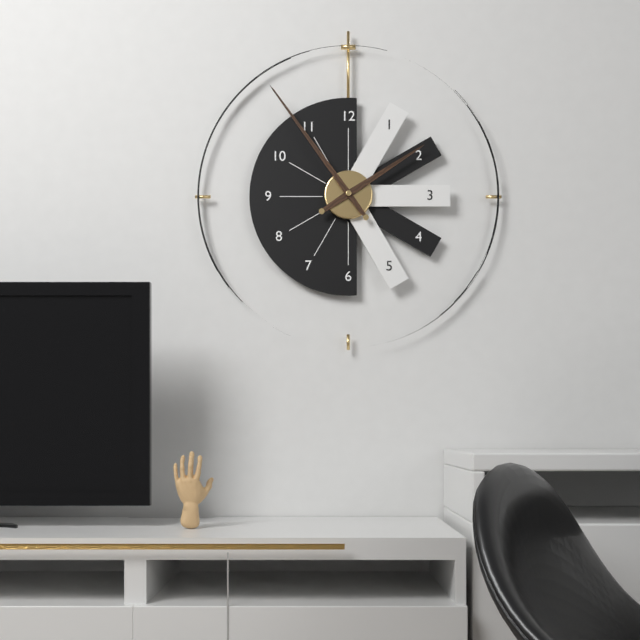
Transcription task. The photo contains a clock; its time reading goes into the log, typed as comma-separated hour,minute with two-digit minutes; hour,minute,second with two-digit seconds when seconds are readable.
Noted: 1,54
